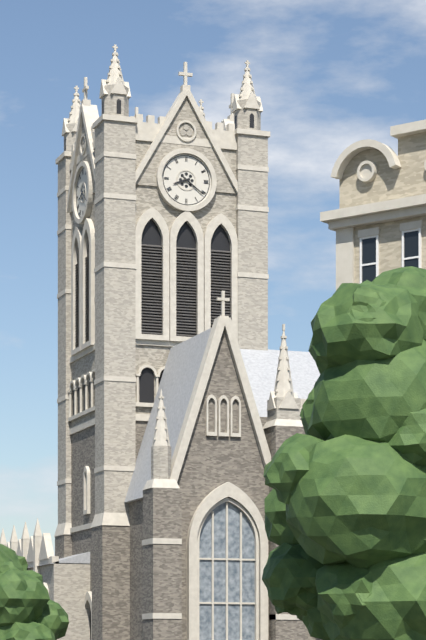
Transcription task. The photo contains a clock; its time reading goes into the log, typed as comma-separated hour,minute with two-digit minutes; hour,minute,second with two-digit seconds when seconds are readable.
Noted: 8,21
